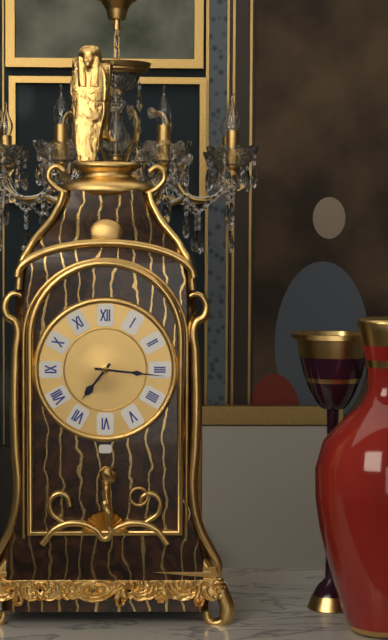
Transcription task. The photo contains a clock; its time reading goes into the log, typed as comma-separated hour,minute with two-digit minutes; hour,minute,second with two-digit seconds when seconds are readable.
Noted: 7,16
